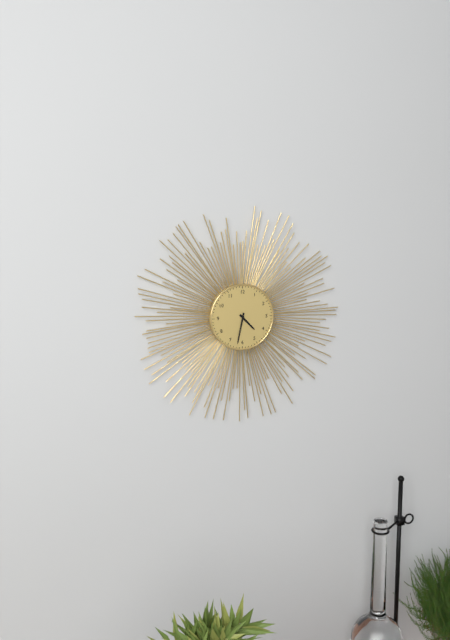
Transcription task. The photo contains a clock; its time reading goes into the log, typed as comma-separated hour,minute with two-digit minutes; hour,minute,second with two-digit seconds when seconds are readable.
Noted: 4,32
